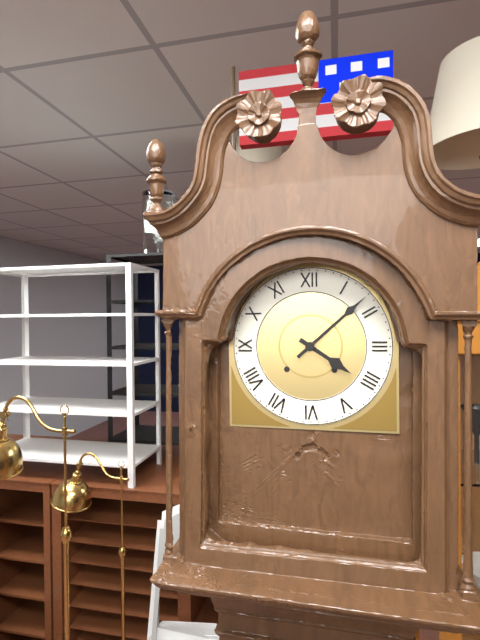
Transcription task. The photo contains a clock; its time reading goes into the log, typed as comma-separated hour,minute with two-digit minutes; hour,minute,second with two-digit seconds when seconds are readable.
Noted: 4,08
